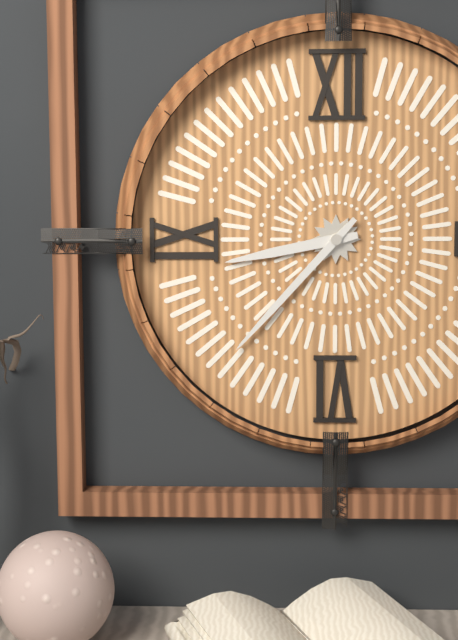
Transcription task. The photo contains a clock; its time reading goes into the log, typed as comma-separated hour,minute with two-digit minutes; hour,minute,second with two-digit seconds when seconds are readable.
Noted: 8,37
